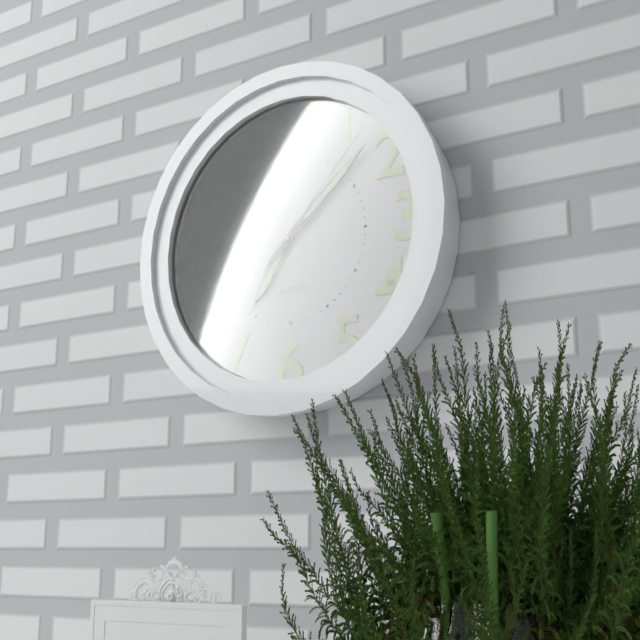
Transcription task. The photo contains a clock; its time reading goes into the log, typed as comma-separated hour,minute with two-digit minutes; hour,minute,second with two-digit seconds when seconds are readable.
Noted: 7,08,07
